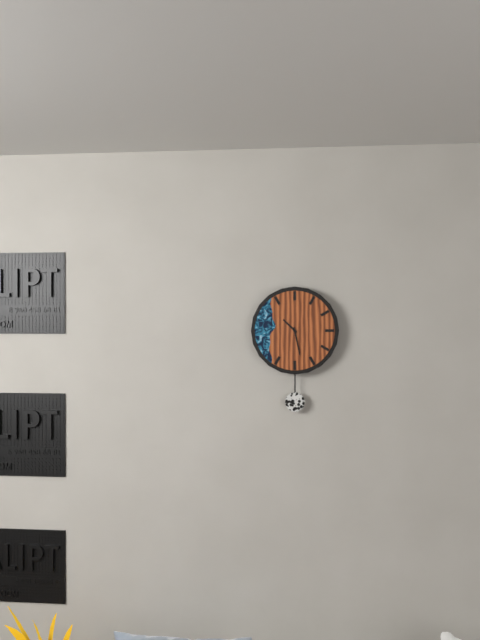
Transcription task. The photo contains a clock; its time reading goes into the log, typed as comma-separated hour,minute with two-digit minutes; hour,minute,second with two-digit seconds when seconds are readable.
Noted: 10,28
